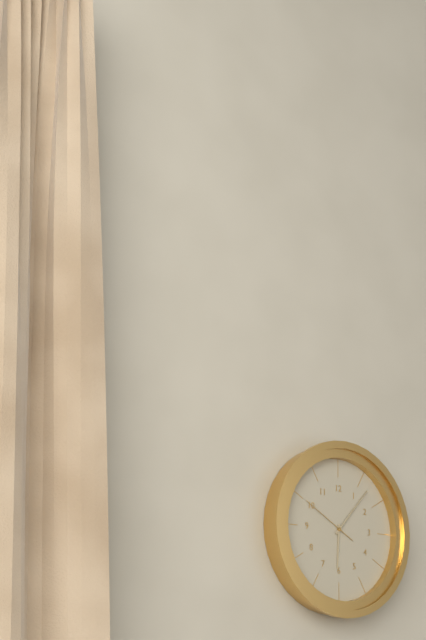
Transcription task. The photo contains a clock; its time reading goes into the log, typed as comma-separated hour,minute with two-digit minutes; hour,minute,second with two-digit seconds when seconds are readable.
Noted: 6,07,50
